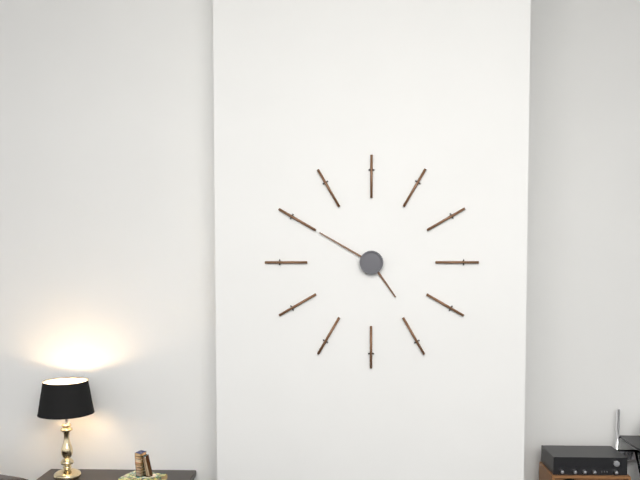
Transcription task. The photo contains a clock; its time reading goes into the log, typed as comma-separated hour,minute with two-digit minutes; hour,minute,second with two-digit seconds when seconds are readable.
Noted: 4,50
